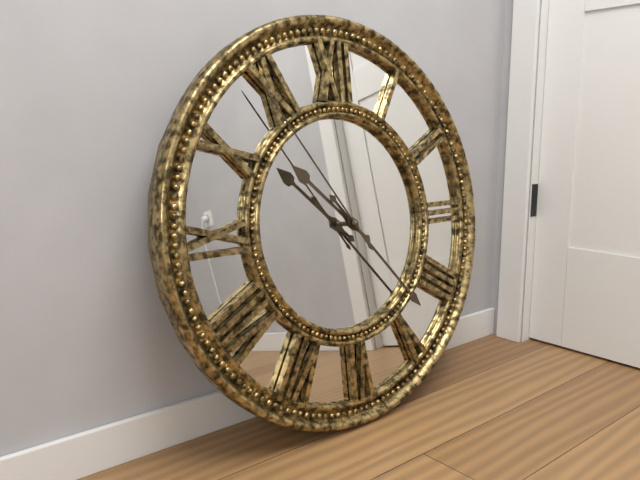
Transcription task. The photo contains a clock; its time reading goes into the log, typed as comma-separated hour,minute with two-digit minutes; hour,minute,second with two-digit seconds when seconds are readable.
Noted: 10,23,54
